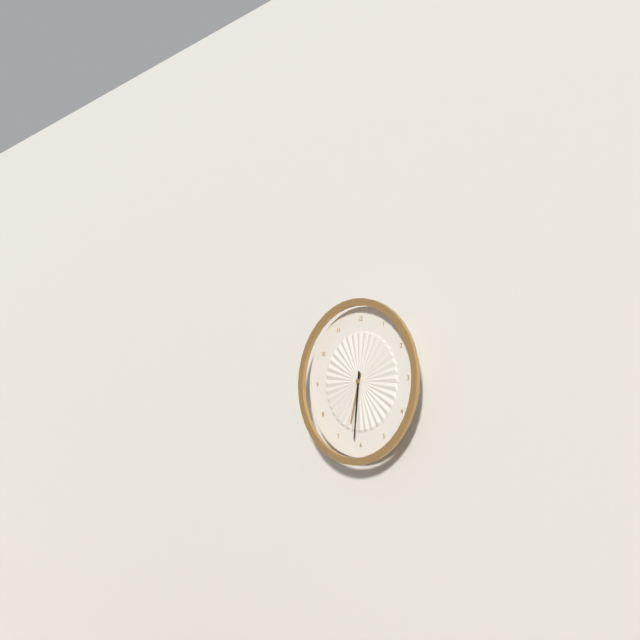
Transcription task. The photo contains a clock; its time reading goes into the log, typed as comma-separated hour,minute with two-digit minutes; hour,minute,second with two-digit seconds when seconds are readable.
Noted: 6,31
